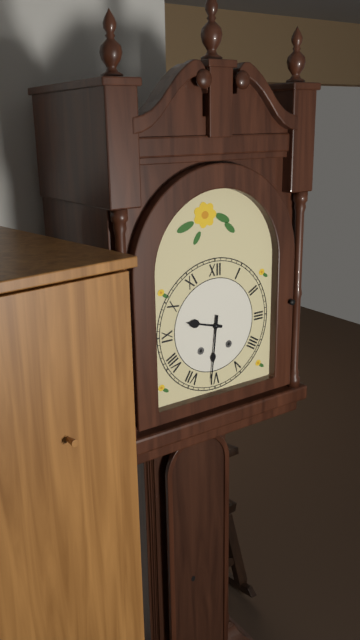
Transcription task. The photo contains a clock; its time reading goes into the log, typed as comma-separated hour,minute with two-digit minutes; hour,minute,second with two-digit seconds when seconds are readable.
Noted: 9,31
